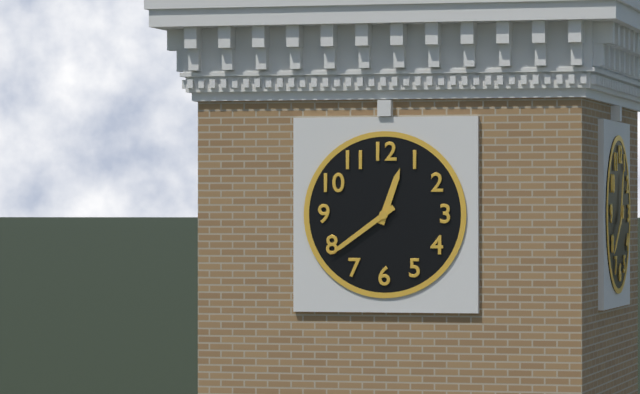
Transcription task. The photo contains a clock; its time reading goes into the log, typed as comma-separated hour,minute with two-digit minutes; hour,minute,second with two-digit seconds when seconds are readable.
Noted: 12,39
